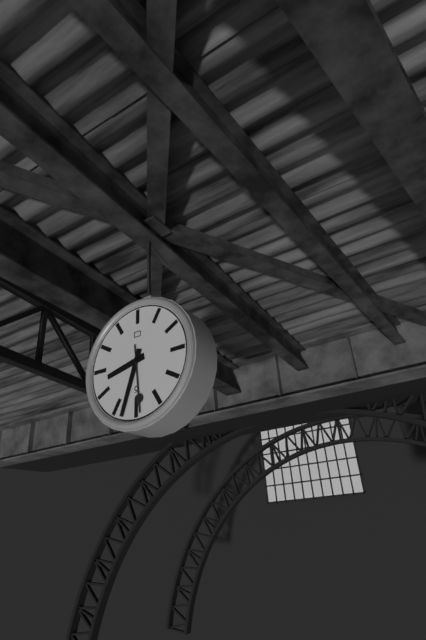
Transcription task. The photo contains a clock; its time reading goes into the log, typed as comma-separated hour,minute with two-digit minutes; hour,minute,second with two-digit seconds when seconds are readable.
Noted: 8,33,29
